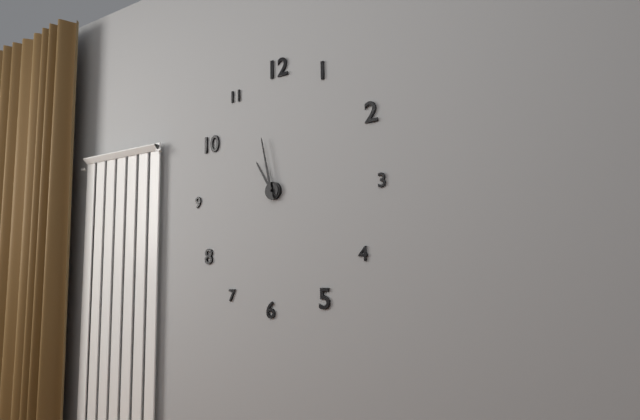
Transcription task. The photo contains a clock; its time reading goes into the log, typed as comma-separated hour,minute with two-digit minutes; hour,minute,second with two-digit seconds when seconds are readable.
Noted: 10,58
